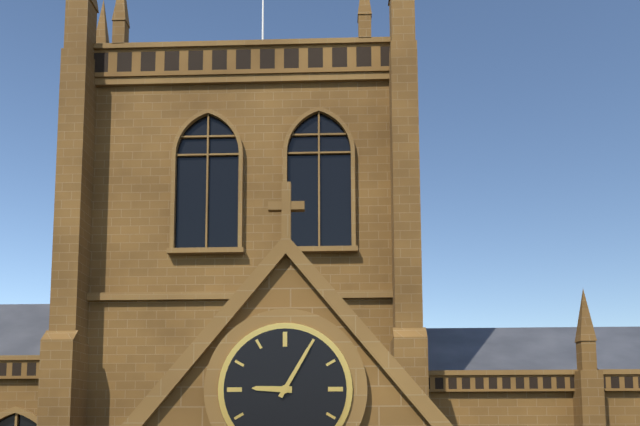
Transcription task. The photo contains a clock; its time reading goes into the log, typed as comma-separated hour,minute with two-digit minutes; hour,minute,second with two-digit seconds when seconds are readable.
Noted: 9,05
